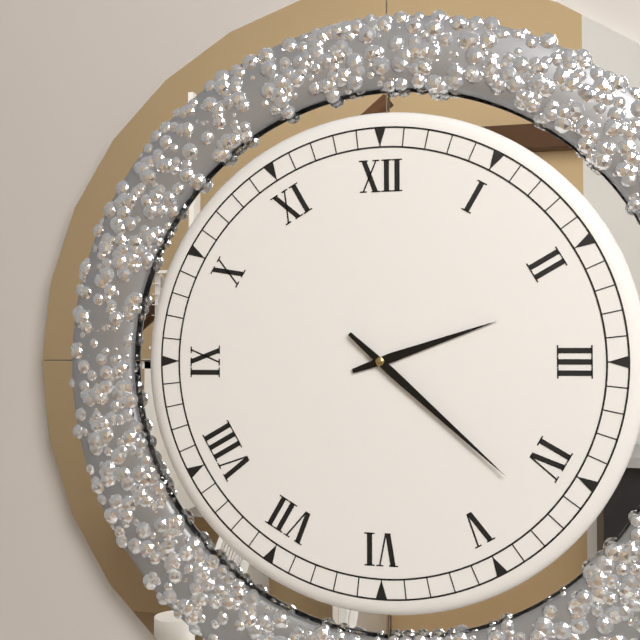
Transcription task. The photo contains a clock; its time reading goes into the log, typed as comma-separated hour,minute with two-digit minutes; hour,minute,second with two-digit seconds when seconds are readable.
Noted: 2,22
